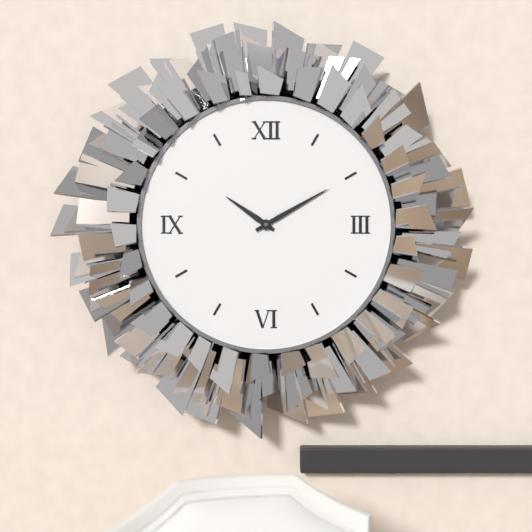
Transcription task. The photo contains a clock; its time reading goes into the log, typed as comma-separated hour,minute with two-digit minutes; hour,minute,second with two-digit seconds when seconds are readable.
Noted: 10,10
